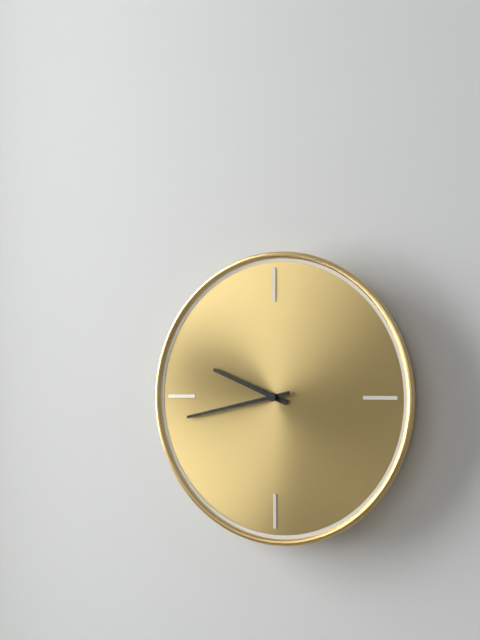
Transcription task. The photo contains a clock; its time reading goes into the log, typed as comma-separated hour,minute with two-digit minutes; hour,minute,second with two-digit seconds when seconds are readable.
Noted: 9,43
